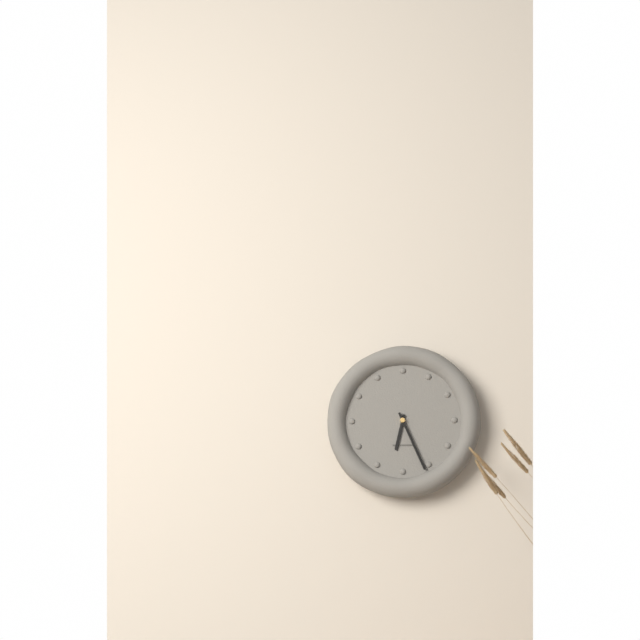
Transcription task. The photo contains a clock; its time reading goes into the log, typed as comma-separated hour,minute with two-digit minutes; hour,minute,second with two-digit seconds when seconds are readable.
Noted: 6,26
